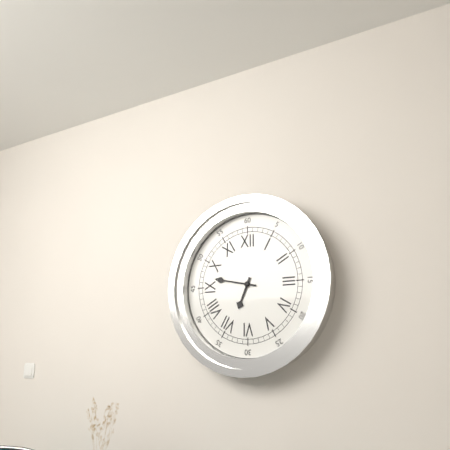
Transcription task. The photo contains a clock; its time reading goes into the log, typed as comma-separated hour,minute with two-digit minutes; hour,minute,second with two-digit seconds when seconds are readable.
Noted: 6,47
